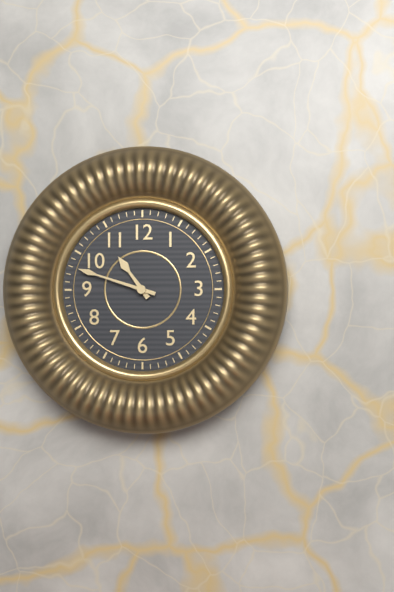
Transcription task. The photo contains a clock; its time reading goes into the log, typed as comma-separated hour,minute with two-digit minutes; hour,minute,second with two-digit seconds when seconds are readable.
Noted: 10,48
